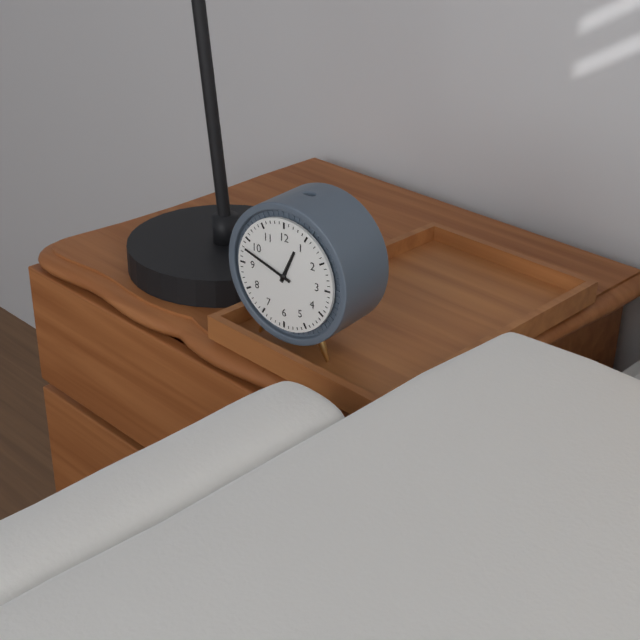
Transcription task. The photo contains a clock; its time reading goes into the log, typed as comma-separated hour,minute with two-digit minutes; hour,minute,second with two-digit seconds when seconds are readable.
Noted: 12,48
